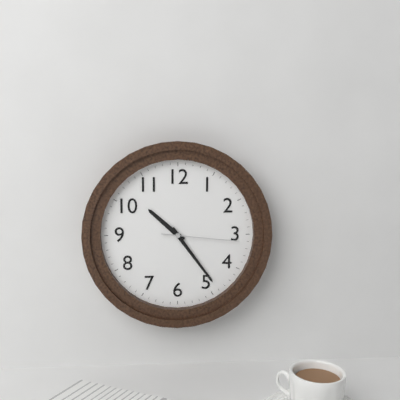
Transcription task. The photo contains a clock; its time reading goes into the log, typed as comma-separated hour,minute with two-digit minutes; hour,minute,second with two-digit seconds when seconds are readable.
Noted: 10,24,16
